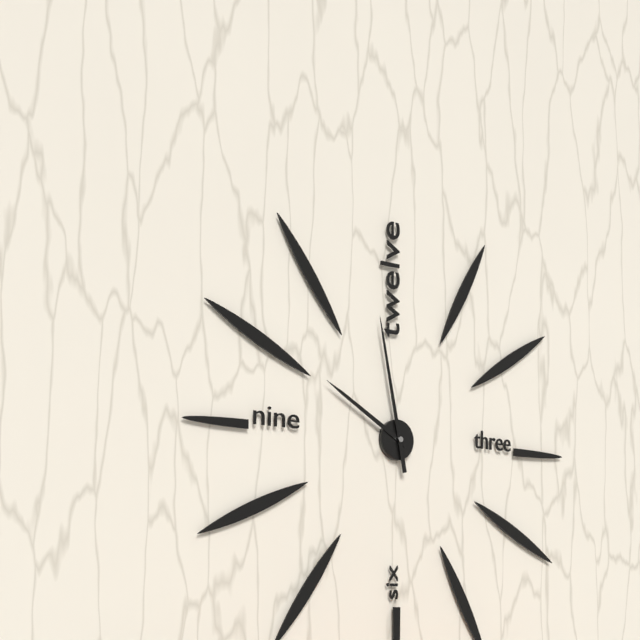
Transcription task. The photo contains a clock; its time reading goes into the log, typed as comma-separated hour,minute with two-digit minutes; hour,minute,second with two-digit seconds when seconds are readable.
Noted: 9,58
